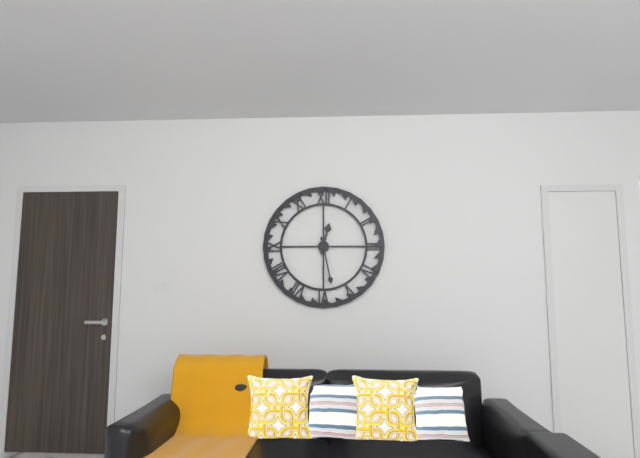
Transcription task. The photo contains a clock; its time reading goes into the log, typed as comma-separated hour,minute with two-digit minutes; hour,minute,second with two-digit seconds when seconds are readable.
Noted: 12,28
